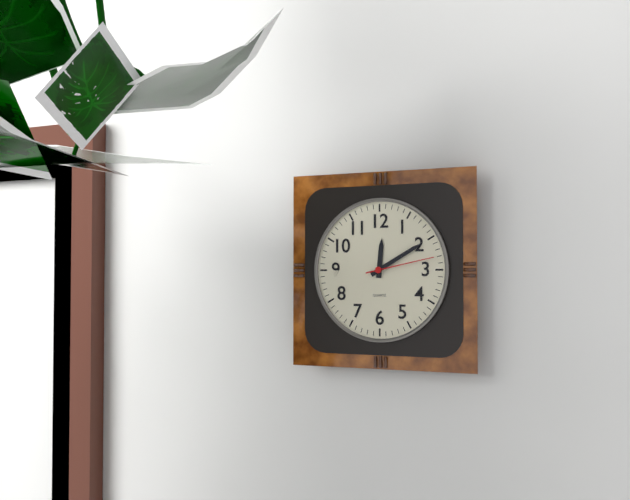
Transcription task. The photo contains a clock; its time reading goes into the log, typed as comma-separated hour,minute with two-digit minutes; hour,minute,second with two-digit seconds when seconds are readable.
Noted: 12,10,13
